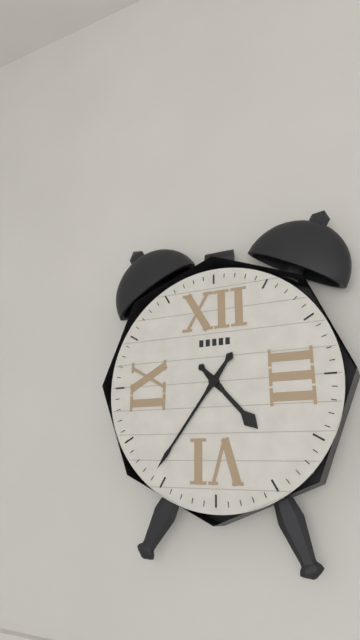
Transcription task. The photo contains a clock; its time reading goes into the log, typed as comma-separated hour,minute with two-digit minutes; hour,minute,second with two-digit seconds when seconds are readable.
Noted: 4,36
